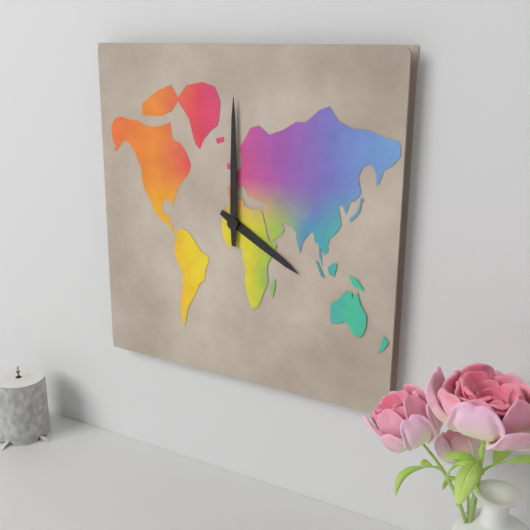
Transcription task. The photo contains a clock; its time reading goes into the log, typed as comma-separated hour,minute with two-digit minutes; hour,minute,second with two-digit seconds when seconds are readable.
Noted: 4,00
